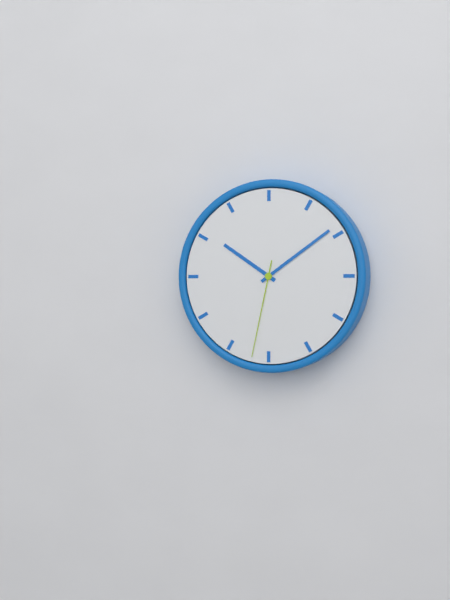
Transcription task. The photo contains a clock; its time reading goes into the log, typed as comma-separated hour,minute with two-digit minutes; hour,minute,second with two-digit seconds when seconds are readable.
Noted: 10,09,32
